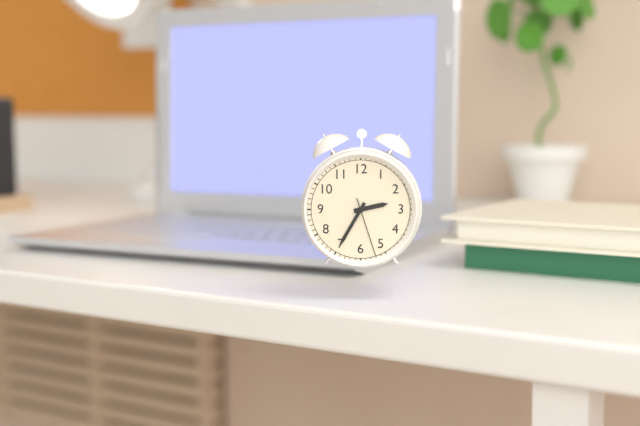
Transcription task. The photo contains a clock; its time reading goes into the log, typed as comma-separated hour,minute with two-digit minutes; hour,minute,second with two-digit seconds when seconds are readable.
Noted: 2,35,27
